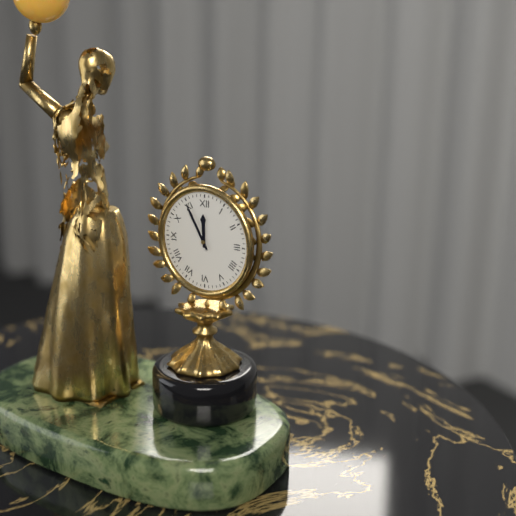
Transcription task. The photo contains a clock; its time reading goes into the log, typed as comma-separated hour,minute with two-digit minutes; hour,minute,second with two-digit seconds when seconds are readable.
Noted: 11,55
